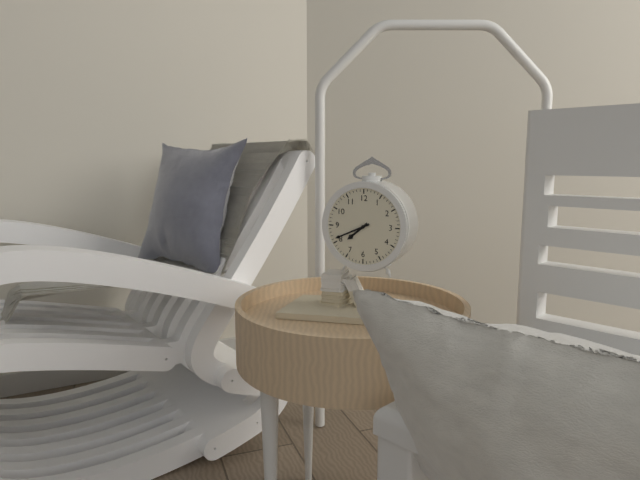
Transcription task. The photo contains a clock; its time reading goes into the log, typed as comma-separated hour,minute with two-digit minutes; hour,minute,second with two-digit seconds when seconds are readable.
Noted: 7,41
